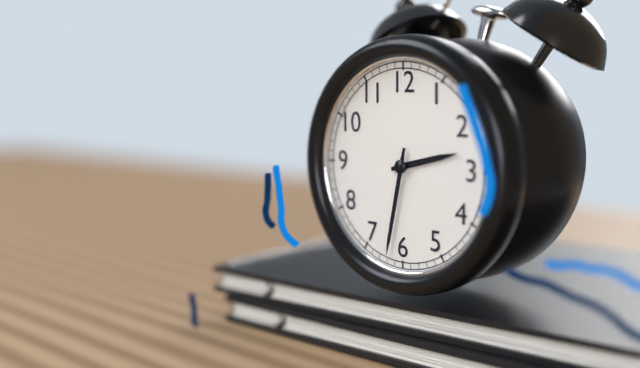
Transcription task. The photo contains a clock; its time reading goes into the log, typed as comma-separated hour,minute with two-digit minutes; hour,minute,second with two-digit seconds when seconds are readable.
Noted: 2,32
